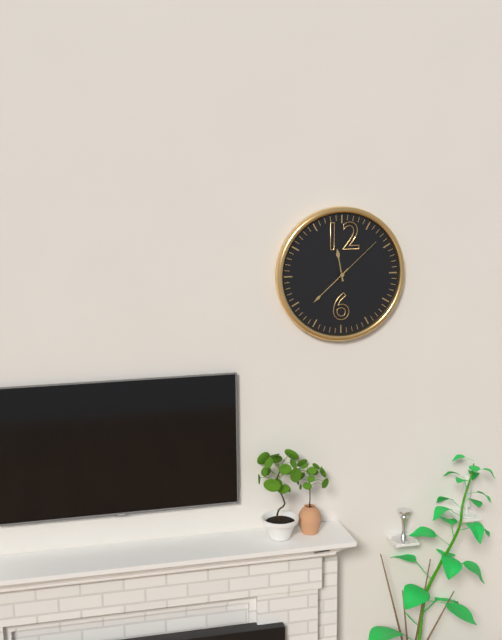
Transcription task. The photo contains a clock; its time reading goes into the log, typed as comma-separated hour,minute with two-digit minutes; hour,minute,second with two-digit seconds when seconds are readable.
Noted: 11,38,08
